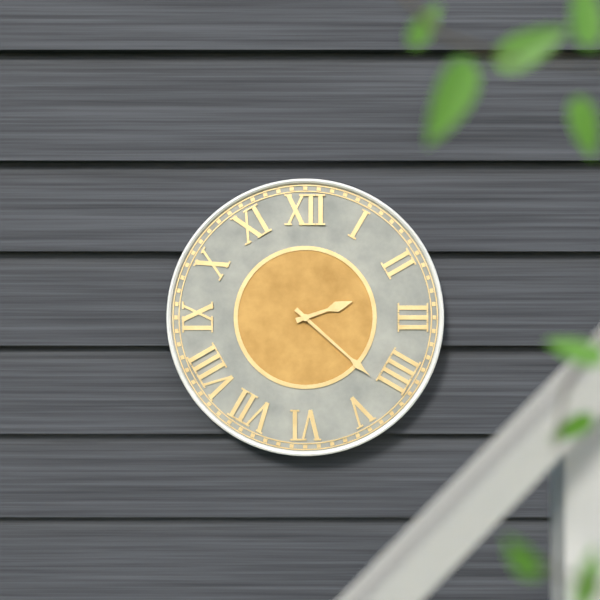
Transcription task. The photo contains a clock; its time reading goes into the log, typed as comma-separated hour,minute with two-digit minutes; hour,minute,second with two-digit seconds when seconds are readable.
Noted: 2,22
